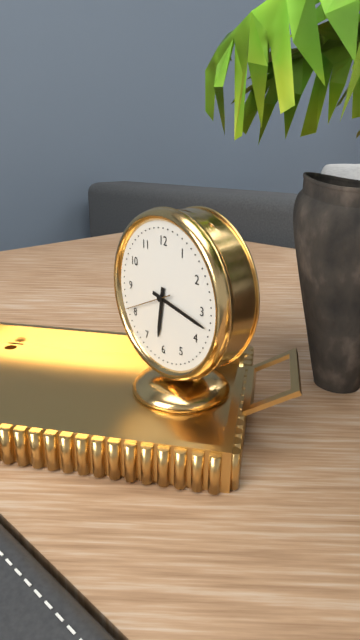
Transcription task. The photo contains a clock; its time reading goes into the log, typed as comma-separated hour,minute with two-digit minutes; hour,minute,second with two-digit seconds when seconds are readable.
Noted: 6,17
